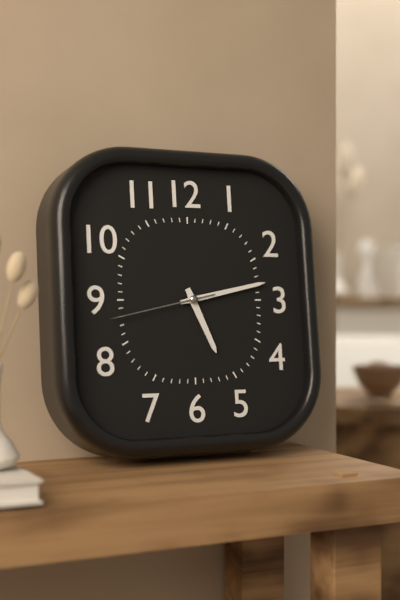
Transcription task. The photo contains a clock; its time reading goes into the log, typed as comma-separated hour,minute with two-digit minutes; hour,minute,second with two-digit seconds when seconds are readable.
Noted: 5,13,43
